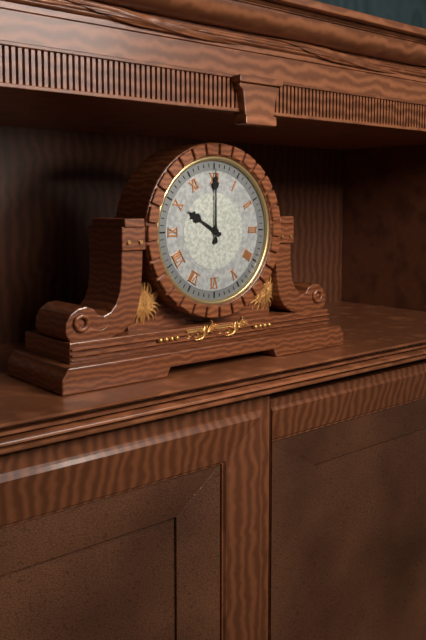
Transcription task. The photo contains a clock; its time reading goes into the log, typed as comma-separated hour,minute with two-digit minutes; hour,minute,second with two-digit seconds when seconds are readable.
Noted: 10,00
